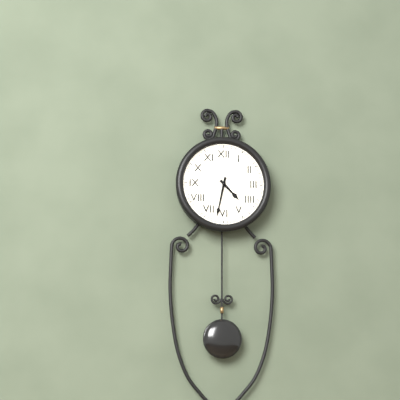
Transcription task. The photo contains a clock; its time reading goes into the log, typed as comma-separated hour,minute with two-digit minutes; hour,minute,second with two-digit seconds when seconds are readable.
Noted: 4,32
